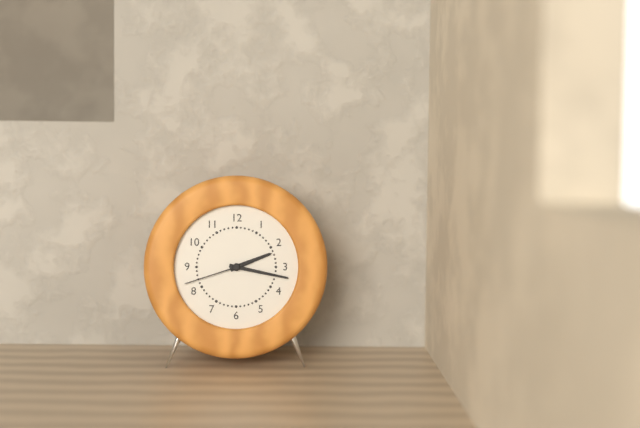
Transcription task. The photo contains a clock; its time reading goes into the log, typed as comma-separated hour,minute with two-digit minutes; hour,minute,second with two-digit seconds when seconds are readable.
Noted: 2,17,42
